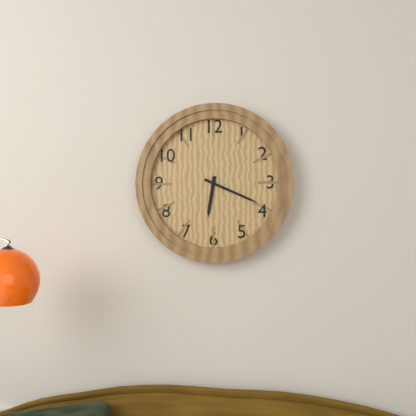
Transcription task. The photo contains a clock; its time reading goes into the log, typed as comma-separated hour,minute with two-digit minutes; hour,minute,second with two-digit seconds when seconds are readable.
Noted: 6,19
